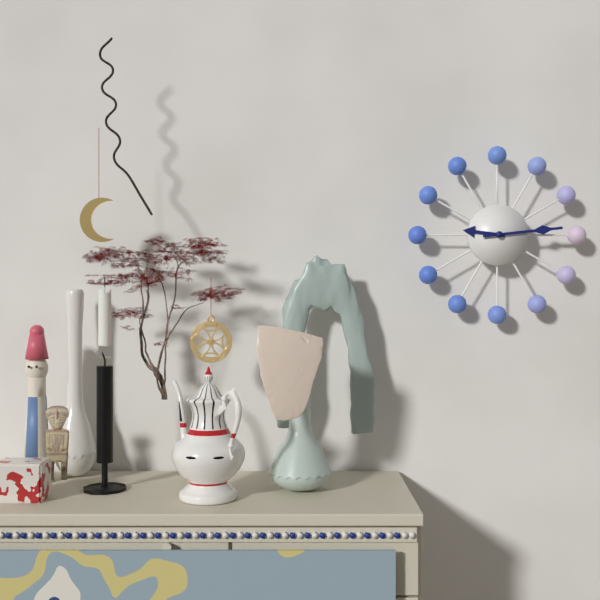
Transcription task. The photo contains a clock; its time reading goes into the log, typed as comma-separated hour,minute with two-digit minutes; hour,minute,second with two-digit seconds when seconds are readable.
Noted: 9,14
